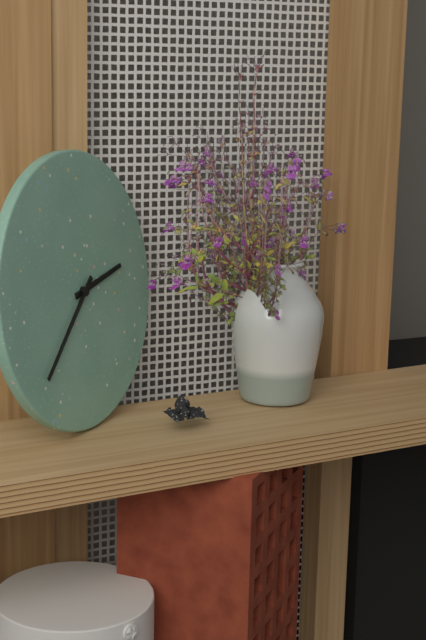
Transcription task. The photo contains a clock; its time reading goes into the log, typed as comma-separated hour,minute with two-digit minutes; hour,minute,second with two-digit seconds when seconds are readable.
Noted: 2,38
